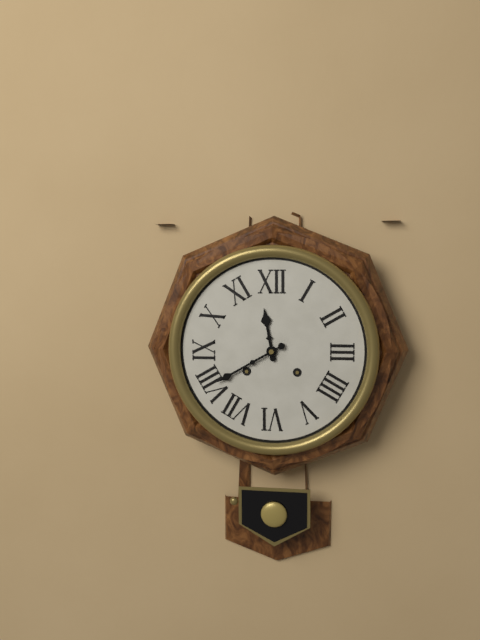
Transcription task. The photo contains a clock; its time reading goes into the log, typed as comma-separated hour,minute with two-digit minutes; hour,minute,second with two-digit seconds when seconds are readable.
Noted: 11,40
